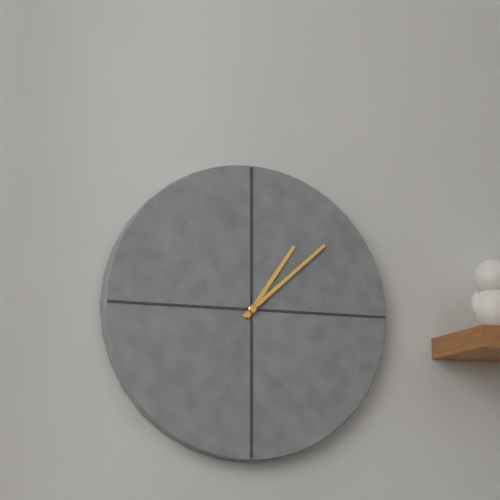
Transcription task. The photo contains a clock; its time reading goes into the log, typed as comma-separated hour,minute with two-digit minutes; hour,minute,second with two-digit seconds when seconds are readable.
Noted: 1,08
